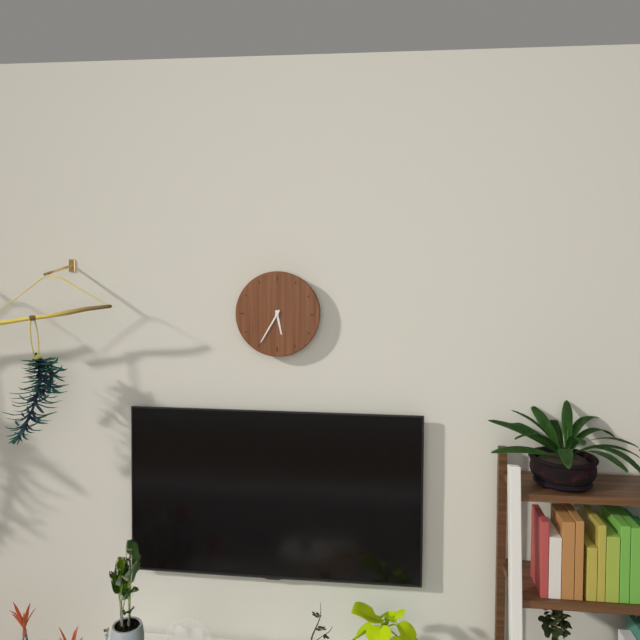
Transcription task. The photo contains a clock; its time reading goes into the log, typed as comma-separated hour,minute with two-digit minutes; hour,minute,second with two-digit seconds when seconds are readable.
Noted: 5,35
